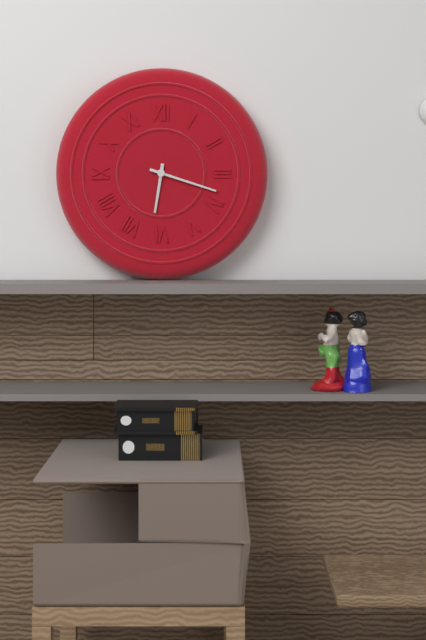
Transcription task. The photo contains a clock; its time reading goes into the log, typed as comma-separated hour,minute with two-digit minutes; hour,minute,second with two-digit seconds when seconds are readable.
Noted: 6,18
